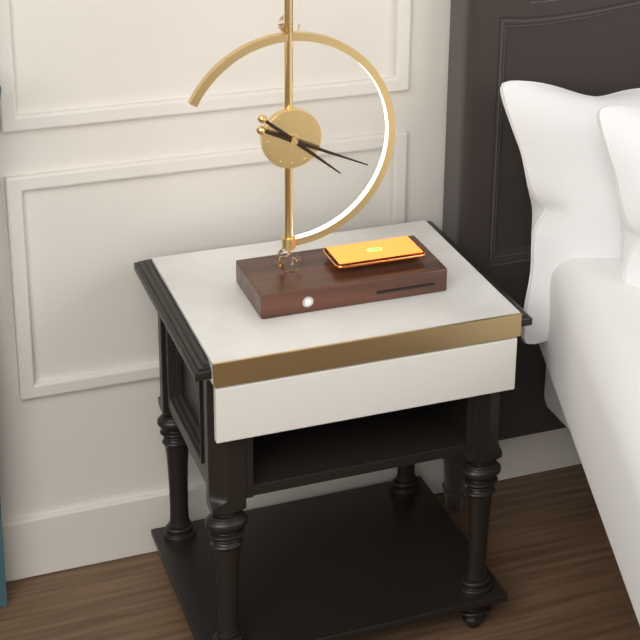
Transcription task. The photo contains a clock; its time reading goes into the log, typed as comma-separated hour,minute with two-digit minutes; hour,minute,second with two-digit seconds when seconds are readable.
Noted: 4,19
